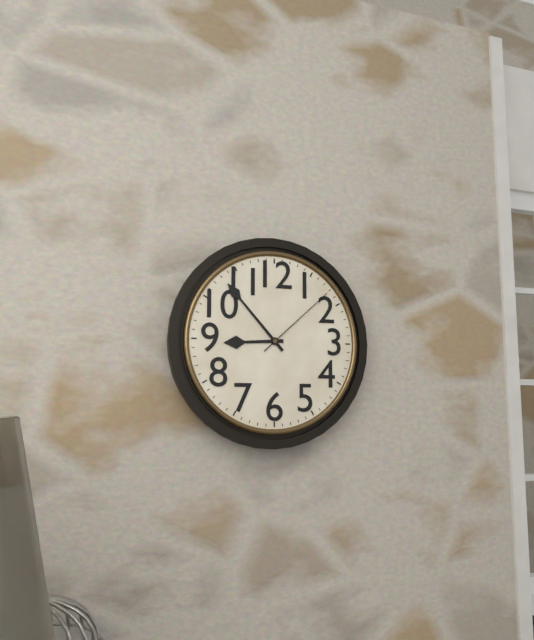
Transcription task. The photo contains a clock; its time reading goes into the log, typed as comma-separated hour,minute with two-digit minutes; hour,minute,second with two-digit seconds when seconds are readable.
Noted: 8,53,08
